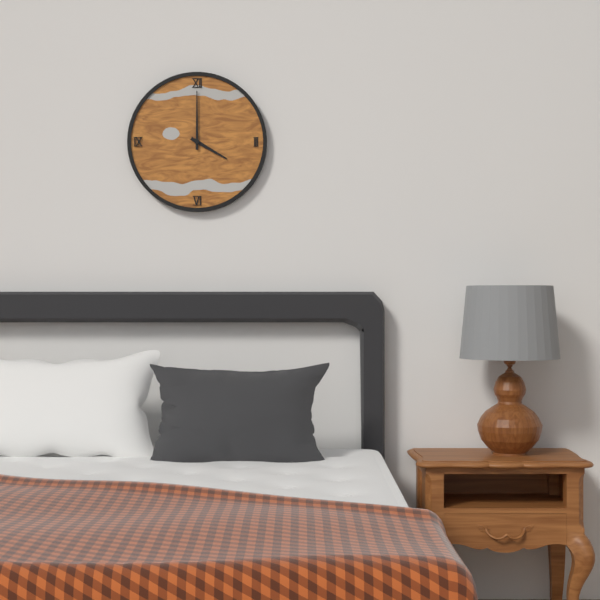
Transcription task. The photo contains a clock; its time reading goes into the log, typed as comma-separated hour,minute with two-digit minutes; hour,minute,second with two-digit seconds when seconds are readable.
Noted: 4,00
